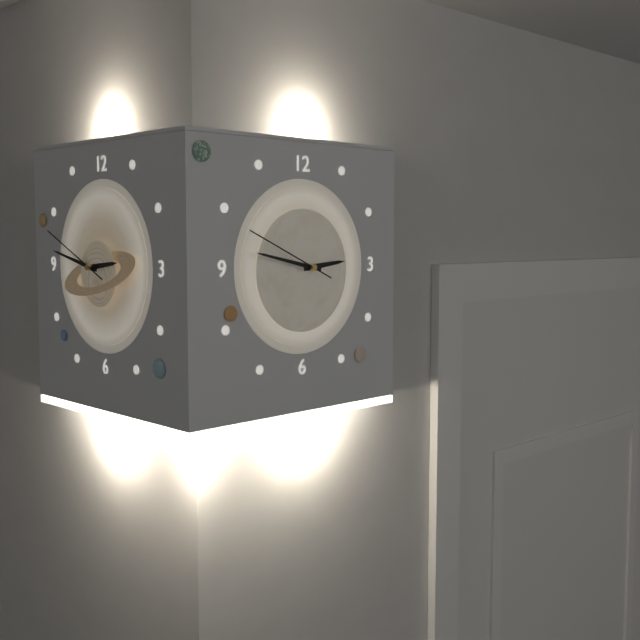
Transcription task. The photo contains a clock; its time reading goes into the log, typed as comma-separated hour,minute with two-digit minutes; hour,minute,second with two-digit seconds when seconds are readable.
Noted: 2,47,49
